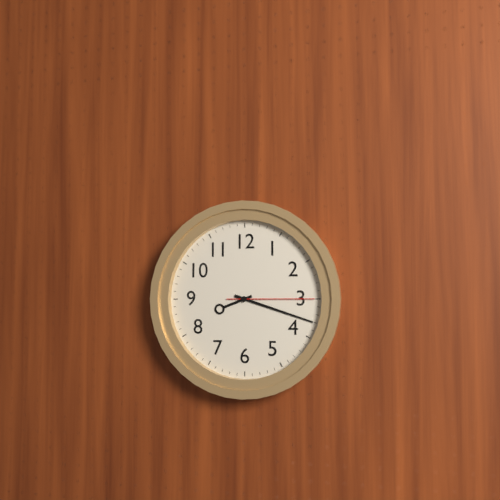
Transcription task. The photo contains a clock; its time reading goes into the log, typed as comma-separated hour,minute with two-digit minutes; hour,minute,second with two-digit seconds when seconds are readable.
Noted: 8,18,15
